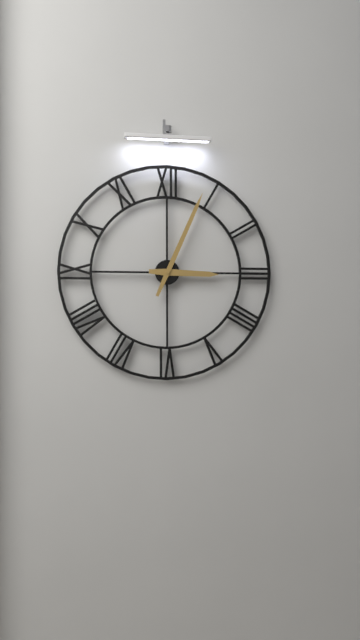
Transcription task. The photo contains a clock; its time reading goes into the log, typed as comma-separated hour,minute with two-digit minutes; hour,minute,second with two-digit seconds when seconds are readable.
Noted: 3,04
